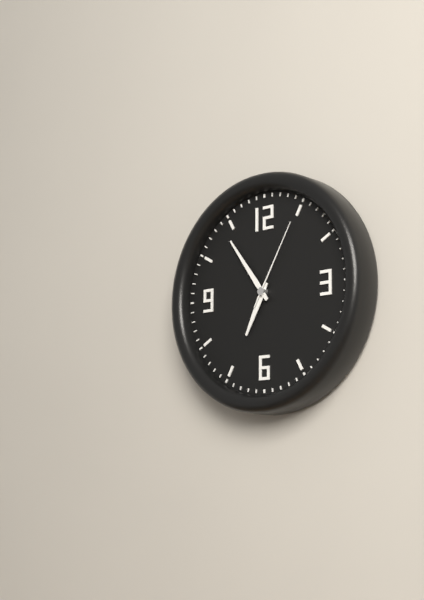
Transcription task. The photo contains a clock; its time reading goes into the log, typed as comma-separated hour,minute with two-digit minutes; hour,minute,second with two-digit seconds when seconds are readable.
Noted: 6,54,05
